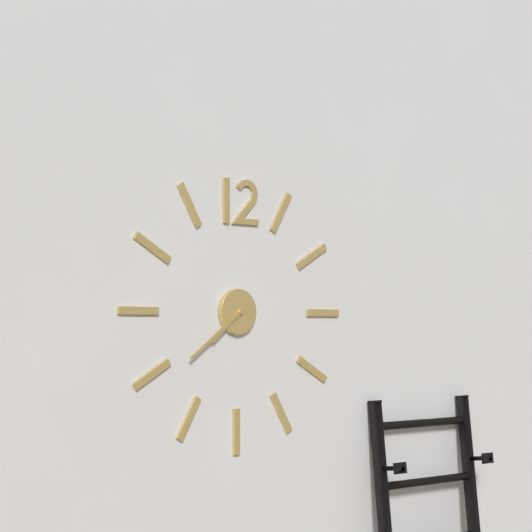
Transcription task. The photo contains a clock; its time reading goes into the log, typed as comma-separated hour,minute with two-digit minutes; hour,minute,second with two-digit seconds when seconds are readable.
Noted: 7,39
